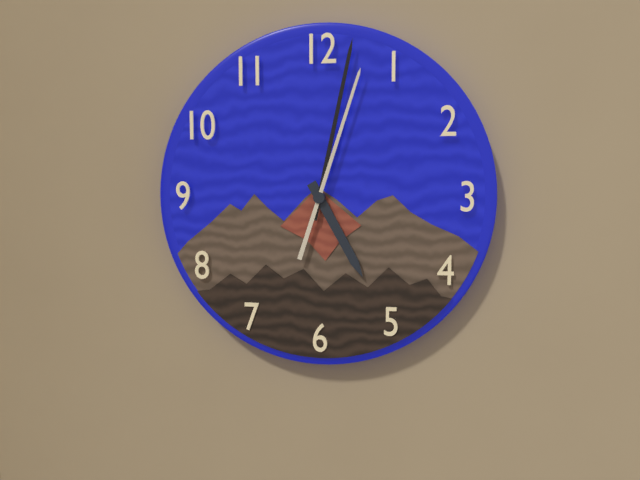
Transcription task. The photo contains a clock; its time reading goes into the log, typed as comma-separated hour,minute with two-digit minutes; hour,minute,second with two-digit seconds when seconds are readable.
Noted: 5,02,03
